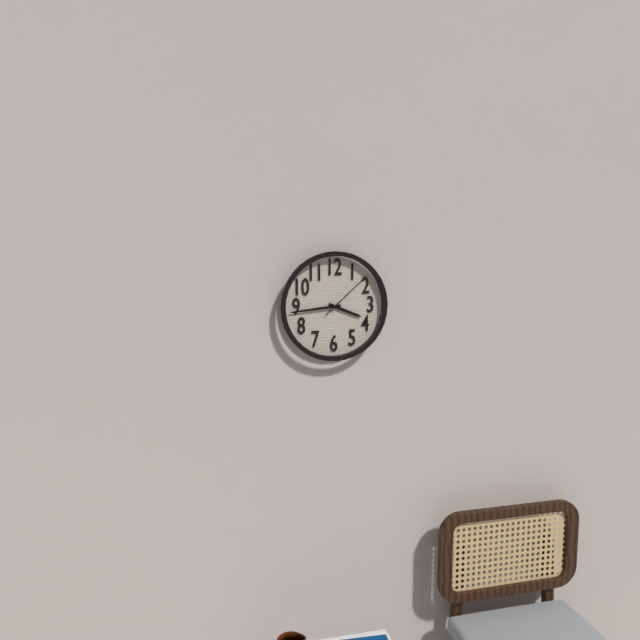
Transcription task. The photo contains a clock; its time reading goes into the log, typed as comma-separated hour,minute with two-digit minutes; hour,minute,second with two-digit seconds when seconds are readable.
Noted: 3,44,08
